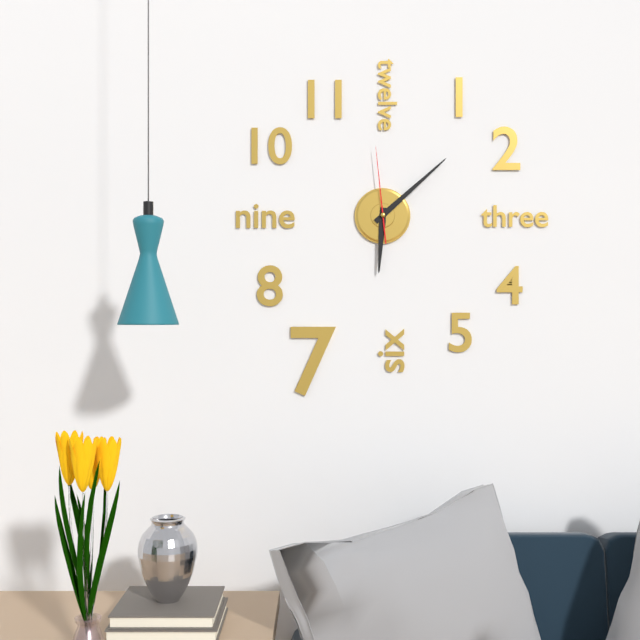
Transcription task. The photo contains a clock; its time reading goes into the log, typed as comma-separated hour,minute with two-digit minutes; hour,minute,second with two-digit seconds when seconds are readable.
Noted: 6,08,59
